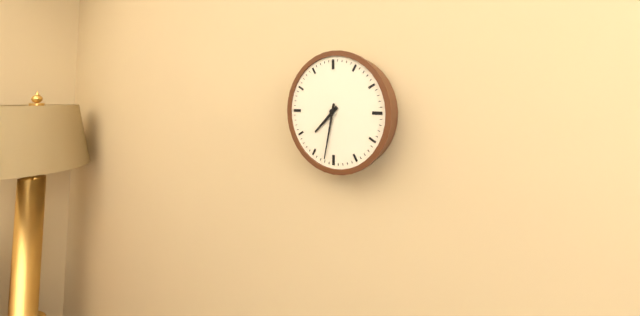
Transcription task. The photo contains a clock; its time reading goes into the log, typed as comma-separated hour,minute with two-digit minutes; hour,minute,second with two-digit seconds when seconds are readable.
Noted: 7,32
